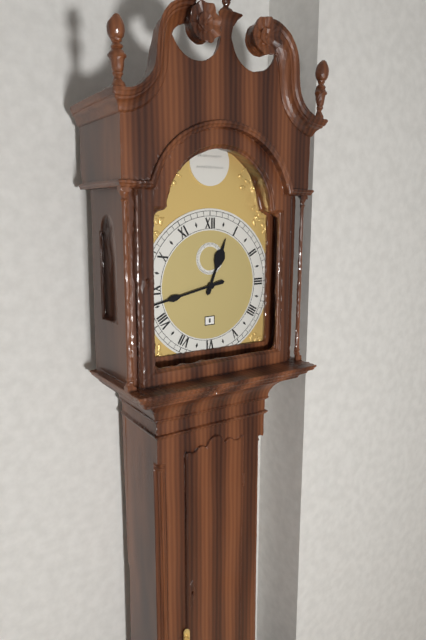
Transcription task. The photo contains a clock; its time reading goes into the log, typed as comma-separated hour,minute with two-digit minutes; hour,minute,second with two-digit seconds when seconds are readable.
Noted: 12,43
